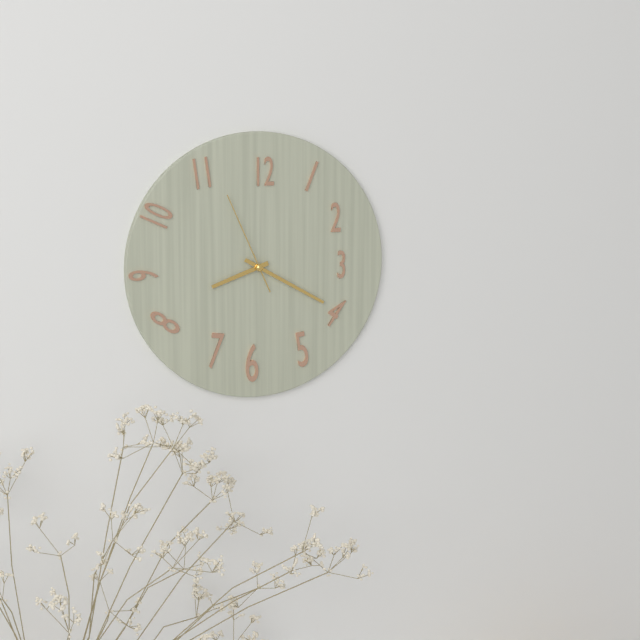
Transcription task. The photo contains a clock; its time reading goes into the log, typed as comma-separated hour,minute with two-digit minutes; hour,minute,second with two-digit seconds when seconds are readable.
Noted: 8,20,56
